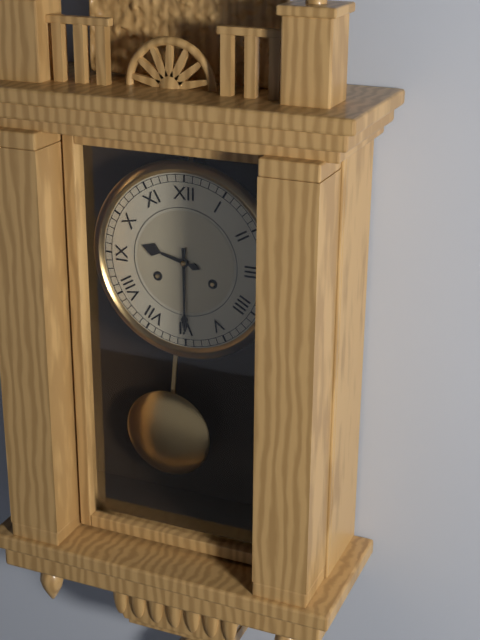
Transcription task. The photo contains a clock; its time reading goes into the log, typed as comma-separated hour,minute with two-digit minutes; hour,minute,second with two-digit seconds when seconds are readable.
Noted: 9,30
